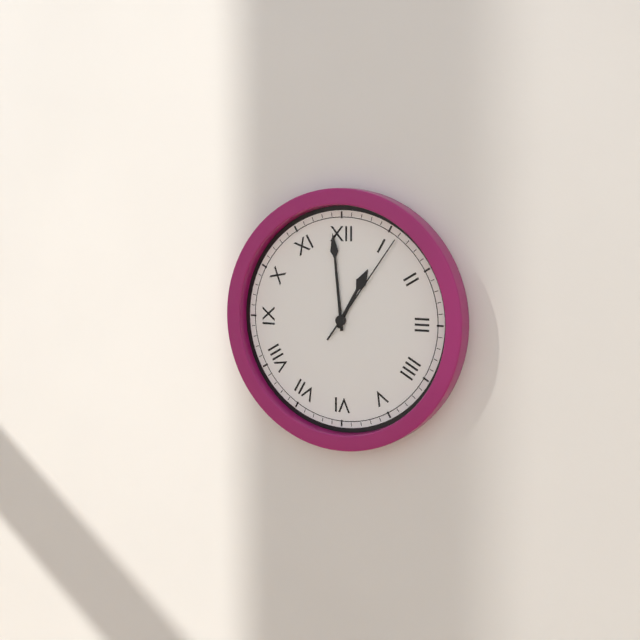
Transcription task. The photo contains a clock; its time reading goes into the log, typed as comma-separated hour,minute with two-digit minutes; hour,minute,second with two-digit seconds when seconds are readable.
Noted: 12,59,06
